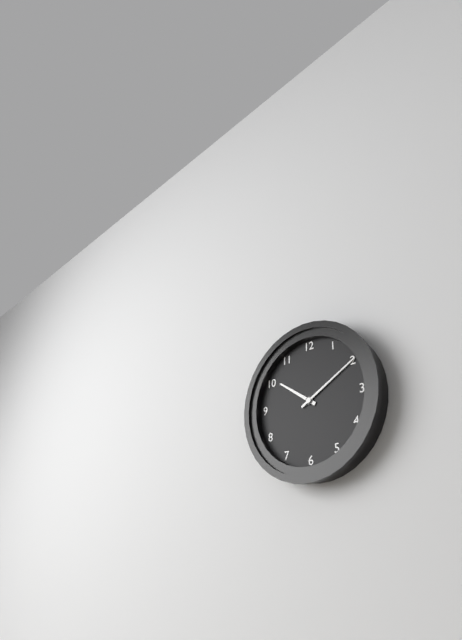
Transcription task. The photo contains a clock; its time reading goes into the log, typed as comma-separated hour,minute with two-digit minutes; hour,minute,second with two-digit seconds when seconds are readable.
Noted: 10,10
